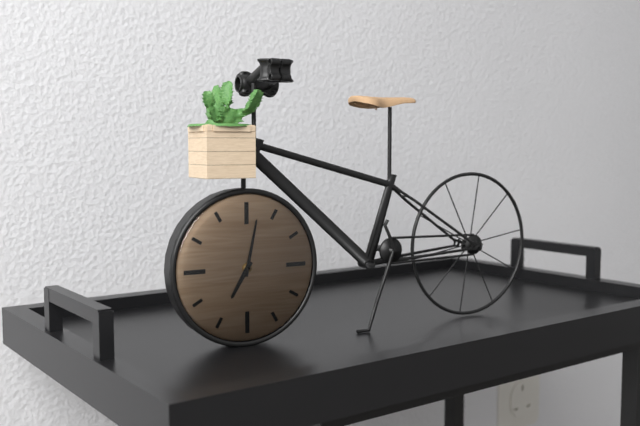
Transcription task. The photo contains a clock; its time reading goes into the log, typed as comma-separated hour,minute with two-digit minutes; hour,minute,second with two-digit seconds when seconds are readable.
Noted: 7,02
